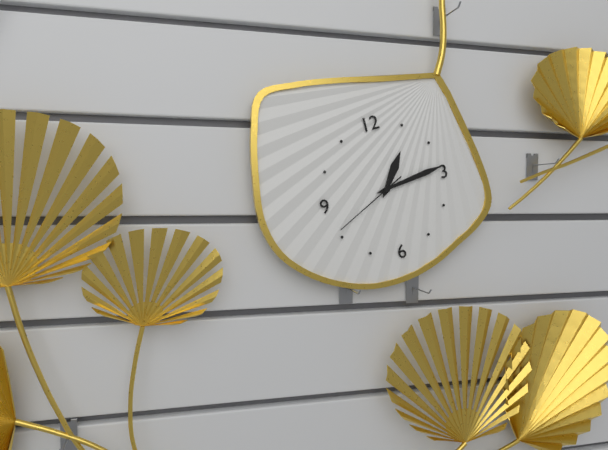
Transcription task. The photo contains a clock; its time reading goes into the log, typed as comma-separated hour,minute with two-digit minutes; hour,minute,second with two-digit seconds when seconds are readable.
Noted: 1,14,41
